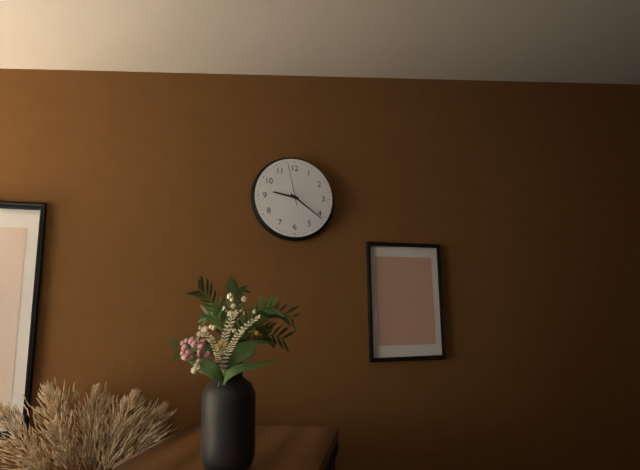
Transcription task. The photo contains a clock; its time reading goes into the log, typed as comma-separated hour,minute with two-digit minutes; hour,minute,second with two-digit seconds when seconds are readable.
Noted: 9,21
